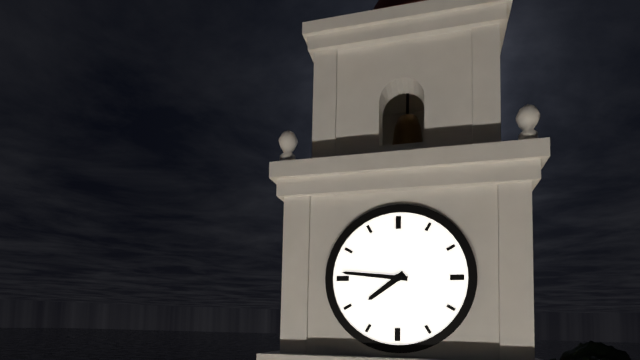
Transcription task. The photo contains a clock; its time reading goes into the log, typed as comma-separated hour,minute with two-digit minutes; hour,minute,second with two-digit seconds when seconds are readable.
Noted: 7,46
